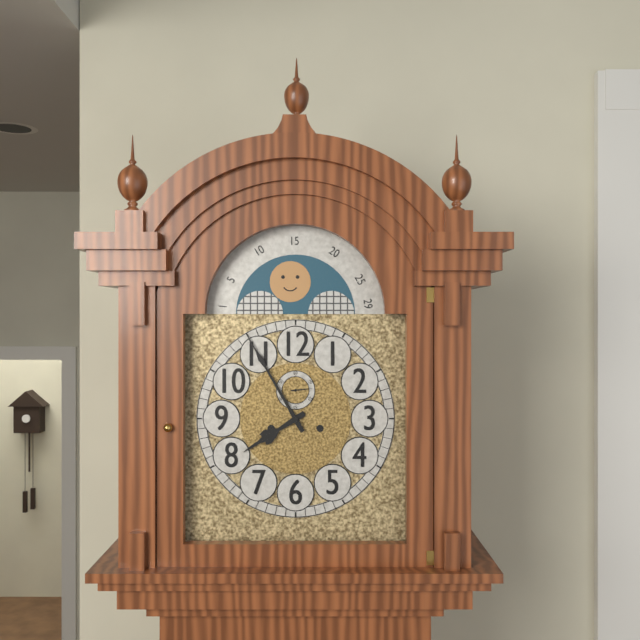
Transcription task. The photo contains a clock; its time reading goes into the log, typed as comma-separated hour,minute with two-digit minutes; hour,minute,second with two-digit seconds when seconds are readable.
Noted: 7,55
